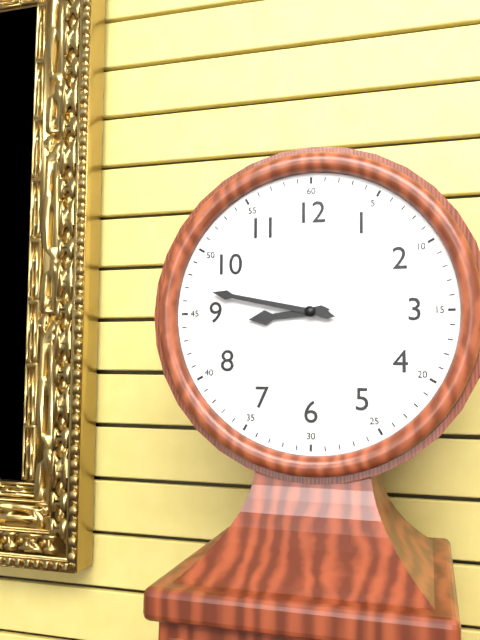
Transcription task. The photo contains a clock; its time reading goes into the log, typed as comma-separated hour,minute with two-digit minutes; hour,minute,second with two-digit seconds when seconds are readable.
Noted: 8,47
